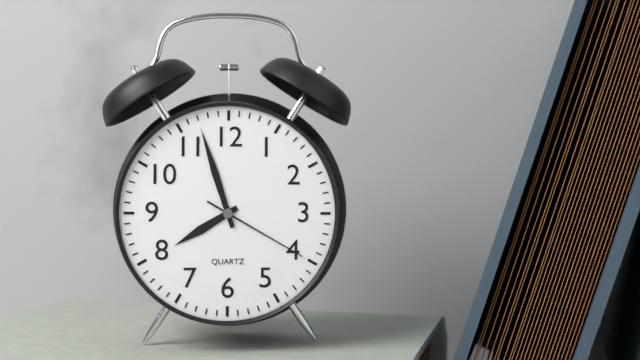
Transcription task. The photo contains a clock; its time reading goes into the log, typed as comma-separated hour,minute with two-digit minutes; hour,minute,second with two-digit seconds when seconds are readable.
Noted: 7,57,20
